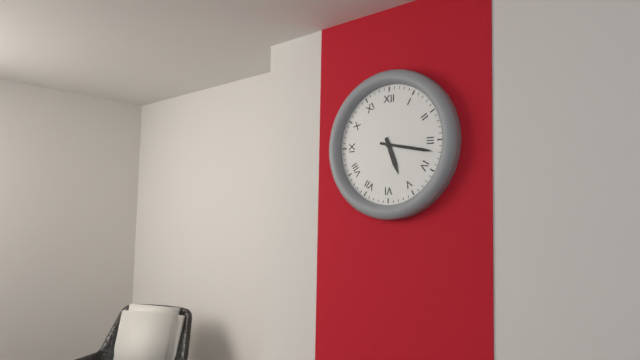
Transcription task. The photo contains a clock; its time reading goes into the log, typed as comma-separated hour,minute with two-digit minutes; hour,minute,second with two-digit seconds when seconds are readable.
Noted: 5,17
